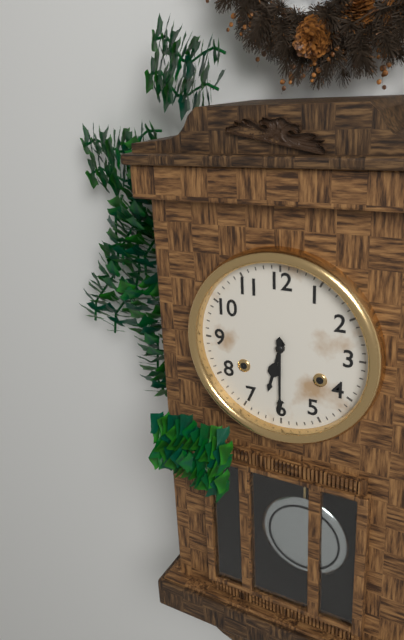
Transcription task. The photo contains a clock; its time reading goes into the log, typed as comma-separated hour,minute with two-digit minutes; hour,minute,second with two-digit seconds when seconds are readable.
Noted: 6,30
